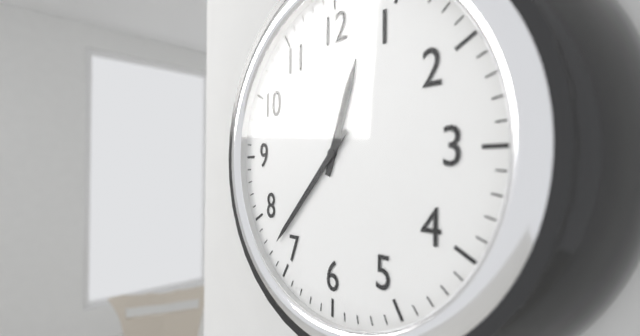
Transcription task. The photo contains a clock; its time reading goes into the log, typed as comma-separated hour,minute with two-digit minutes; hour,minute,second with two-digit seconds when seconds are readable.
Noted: 12,37
